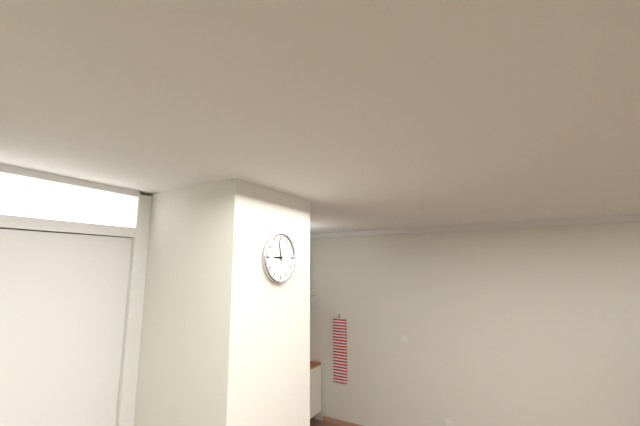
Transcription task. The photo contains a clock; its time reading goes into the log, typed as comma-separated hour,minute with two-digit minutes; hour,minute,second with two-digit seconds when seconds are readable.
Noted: 8,58
